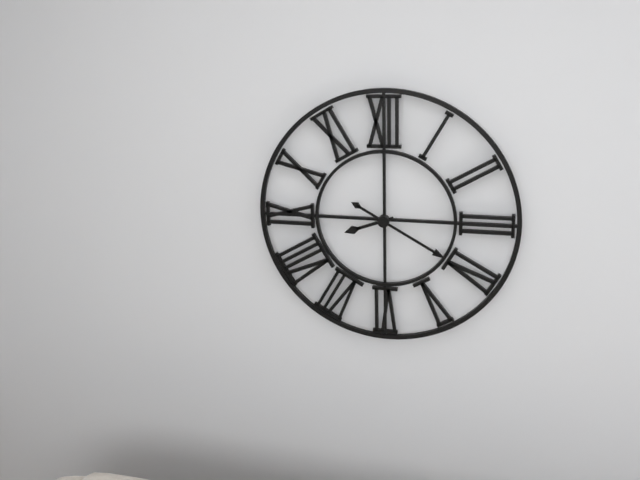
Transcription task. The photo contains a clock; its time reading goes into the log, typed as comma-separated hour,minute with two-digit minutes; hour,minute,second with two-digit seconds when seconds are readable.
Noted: 8,20
